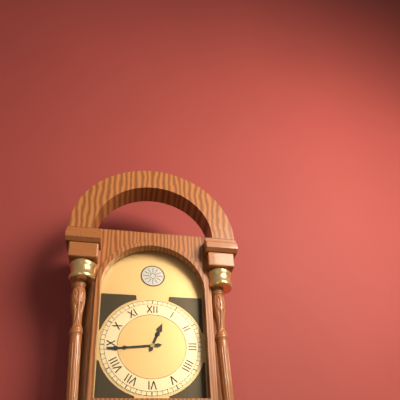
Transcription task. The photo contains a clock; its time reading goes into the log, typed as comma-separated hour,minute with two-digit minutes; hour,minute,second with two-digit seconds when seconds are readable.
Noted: 12,44
